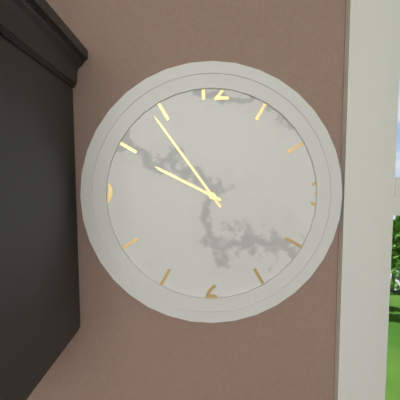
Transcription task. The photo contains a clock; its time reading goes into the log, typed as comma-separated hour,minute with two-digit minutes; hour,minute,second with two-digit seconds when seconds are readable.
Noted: 9,54
